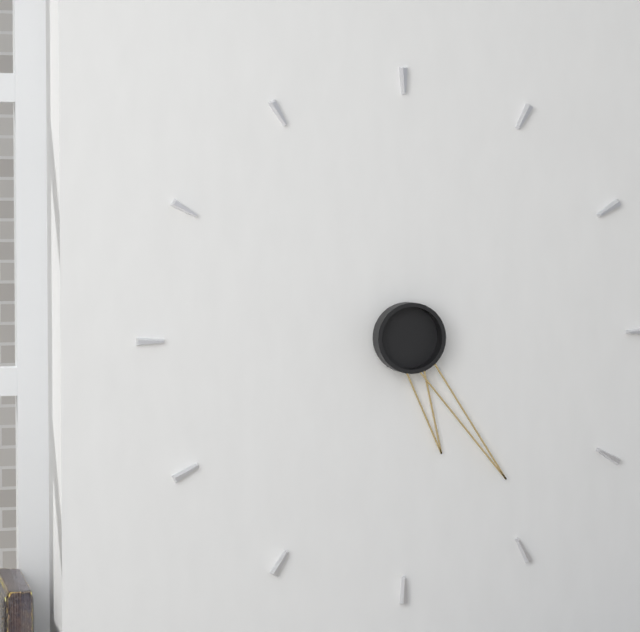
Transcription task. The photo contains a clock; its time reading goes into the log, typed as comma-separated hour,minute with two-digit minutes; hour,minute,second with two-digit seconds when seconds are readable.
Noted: 5,24
